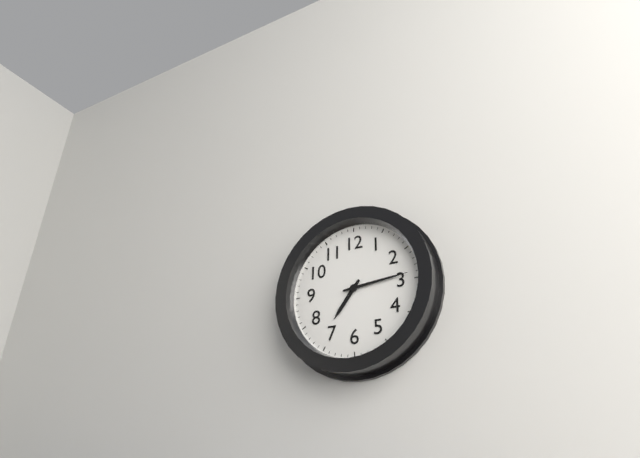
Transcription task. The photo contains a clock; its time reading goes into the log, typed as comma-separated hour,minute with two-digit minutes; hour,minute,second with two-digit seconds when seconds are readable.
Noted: 7,14
